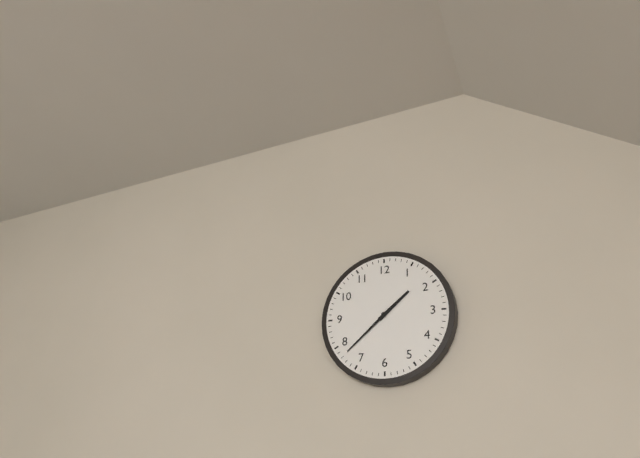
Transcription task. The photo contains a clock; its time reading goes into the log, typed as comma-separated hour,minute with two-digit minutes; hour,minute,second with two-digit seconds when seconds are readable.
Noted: 1,38
